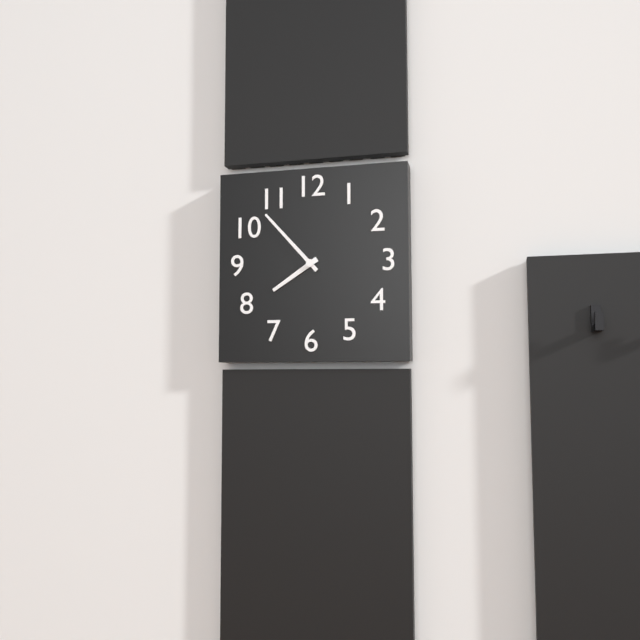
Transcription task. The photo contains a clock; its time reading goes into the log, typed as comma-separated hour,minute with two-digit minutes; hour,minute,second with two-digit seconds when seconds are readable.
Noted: 7,53
